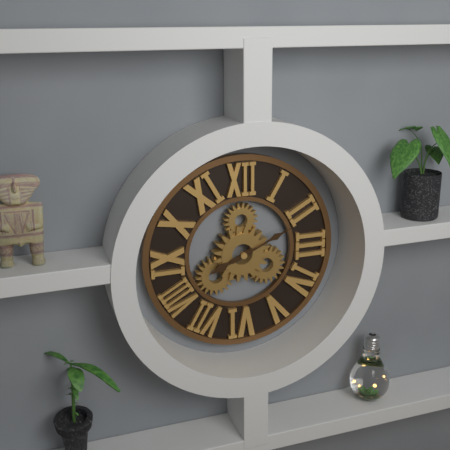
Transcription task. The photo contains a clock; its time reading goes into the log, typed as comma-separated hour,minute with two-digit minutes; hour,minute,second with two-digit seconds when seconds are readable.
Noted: 8,11
